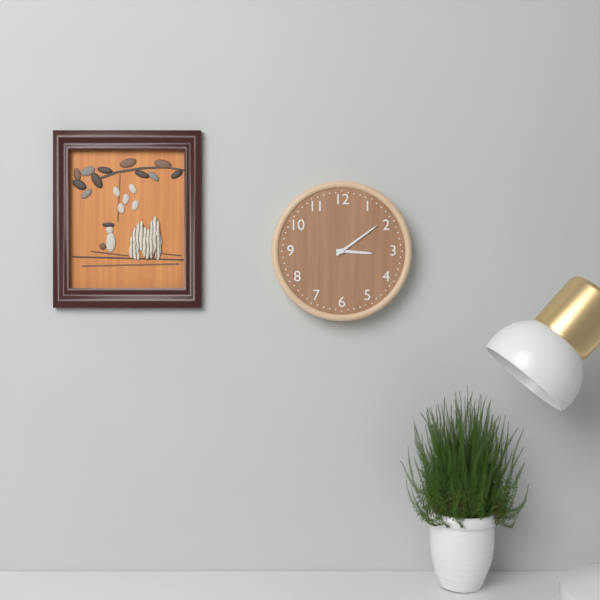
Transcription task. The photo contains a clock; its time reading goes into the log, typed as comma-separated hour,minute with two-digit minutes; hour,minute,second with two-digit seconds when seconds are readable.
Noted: 3,09
